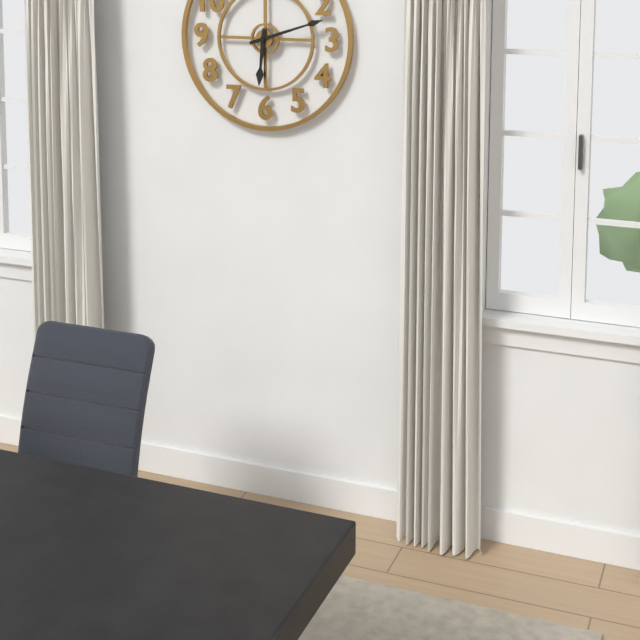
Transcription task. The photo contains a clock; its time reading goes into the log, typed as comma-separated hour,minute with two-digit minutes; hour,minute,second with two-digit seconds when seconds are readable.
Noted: 6,12
